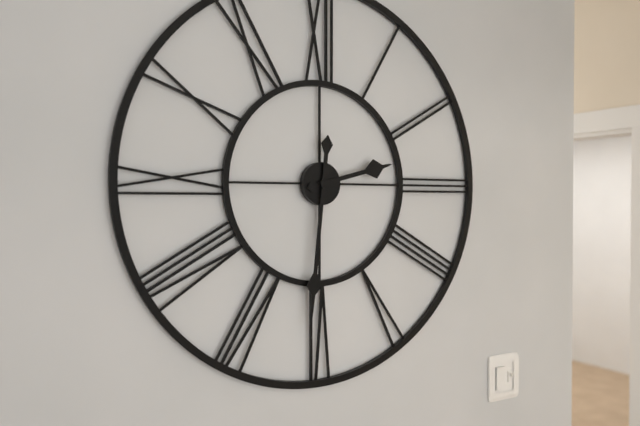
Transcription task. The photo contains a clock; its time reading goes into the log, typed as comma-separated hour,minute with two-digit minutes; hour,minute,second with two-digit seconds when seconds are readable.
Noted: 2,31
